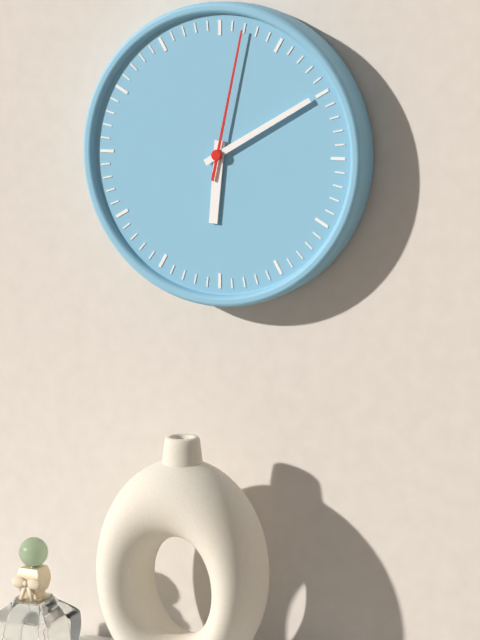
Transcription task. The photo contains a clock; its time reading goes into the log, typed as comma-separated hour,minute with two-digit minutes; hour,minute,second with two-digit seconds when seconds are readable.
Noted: 6,10,02
